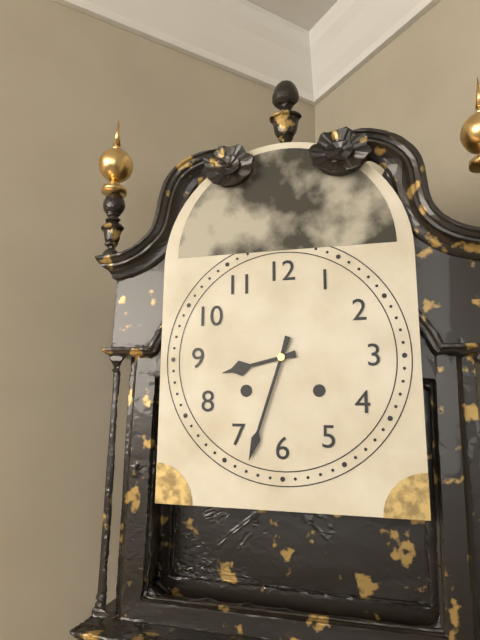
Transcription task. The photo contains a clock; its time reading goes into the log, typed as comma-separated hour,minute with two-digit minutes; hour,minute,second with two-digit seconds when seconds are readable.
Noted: 8,33
